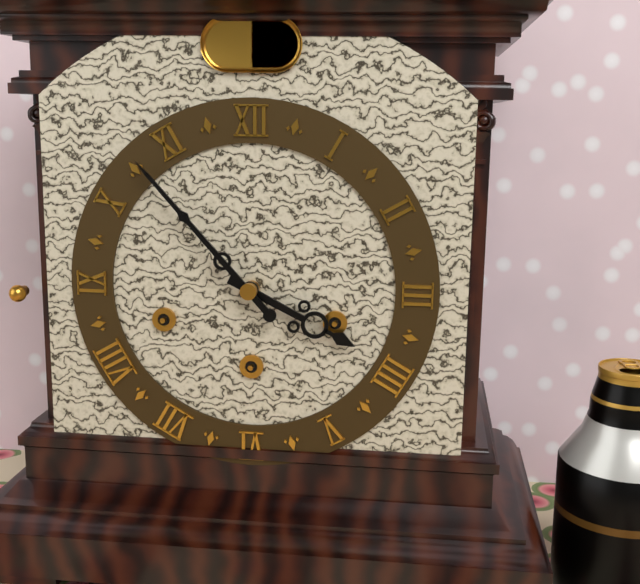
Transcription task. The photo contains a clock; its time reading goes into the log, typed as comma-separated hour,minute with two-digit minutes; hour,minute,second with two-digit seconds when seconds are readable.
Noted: 3,53
